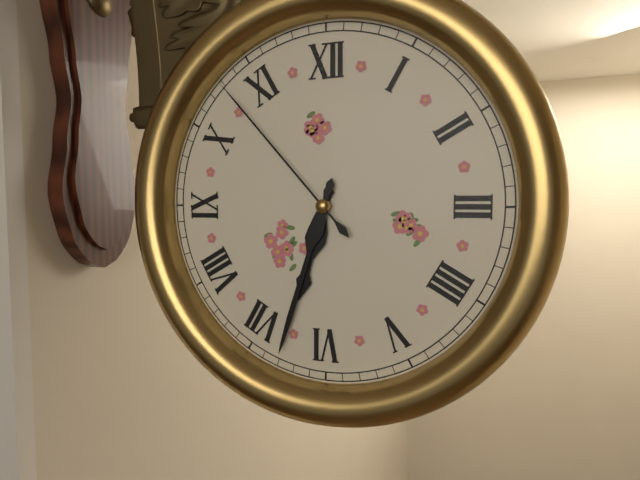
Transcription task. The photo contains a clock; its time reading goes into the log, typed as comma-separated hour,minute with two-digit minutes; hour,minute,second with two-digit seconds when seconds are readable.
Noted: 6,33,53
